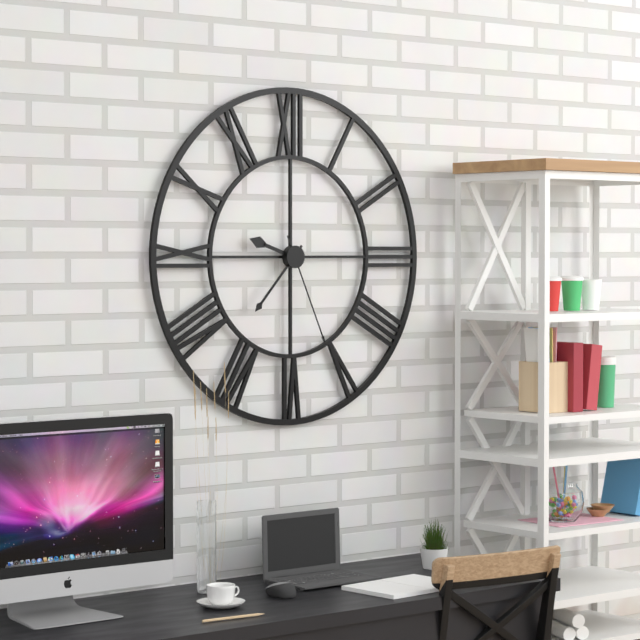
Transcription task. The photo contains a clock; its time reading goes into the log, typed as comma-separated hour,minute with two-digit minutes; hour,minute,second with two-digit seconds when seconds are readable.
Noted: 9,37,26
